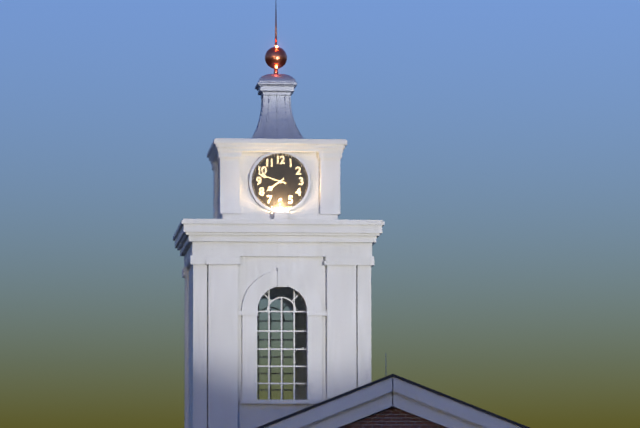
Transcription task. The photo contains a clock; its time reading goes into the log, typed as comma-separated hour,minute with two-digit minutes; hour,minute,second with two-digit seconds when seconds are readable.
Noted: 7,48
